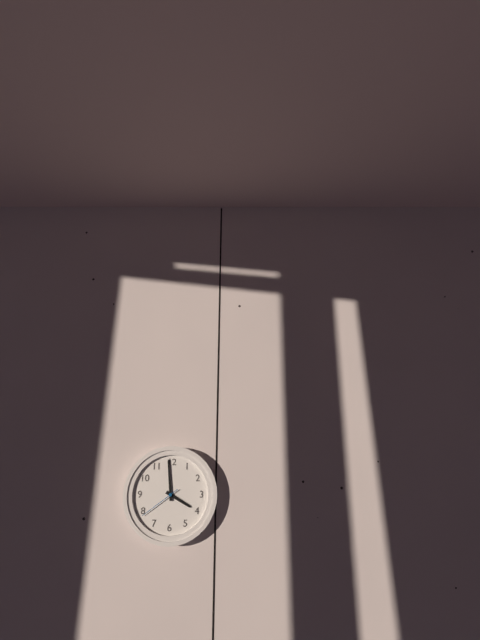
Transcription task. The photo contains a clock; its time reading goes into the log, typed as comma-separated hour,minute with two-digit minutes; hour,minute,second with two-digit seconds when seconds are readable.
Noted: 3,59
